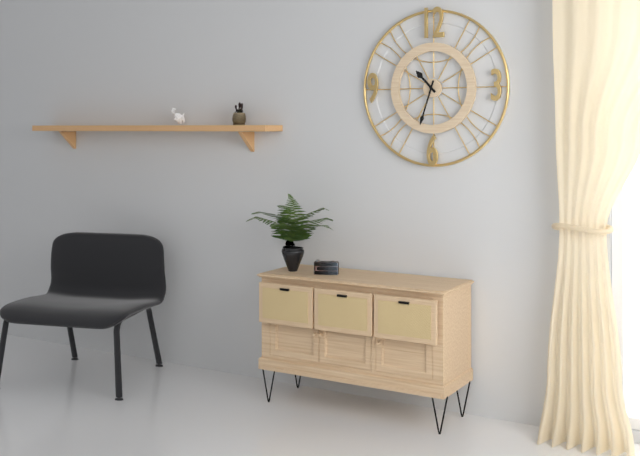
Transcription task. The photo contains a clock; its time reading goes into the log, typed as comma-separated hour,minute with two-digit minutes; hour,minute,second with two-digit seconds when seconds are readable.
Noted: 10,33
